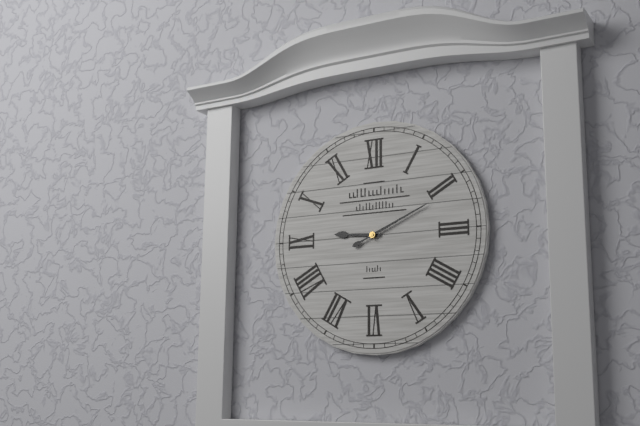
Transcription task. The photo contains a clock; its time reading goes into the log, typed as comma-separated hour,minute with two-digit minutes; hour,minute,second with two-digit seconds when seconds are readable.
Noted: 9,11
